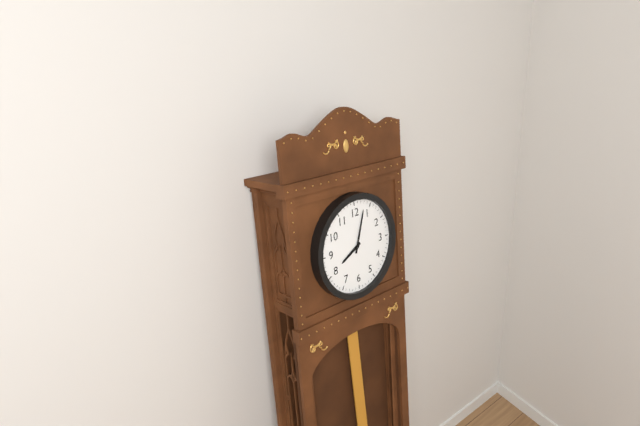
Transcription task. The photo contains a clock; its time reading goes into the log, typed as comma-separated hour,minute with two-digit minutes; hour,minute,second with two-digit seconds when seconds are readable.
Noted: 8,03
